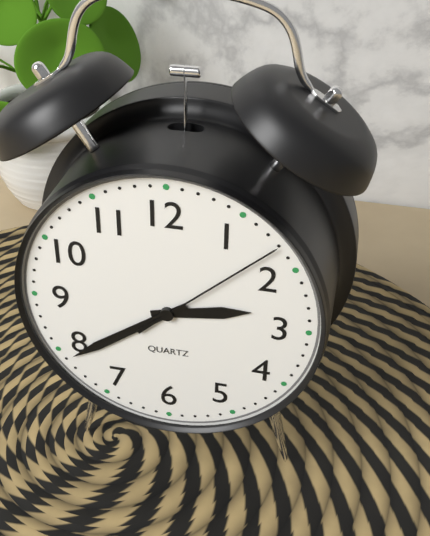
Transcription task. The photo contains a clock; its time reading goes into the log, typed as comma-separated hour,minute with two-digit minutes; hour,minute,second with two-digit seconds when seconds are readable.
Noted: 2,39,08
